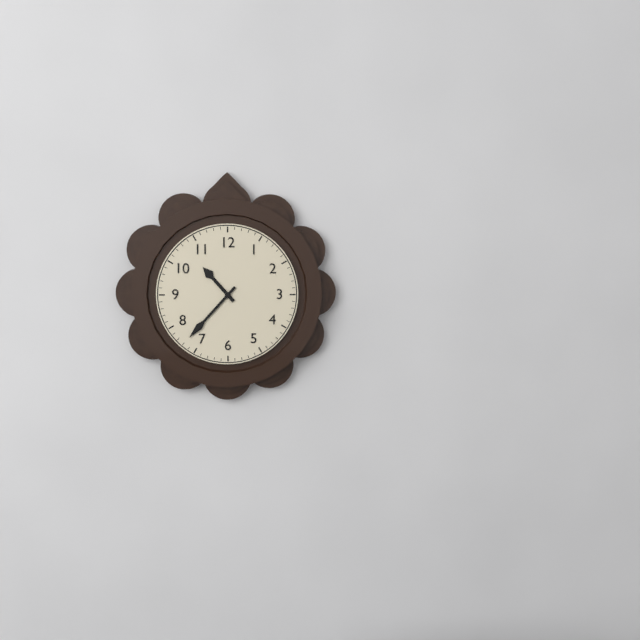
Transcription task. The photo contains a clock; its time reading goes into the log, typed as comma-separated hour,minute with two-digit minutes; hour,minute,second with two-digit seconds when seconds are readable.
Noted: 10,37
